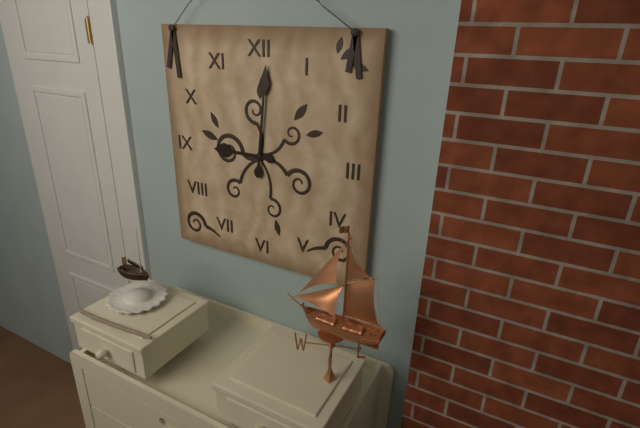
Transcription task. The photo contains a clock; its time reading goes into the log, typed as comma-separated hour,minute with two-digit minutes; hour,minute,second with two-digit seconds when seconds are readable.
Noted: 9,01
